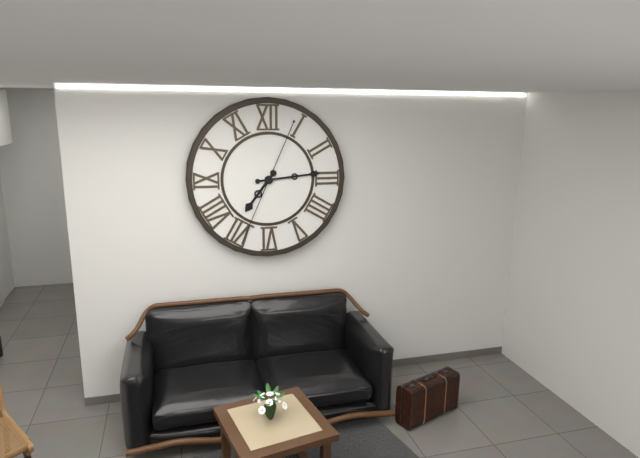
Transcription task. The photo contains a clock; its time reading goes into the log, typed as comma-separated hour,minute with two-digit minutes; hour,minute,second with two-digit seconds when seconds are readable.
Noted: 7,14,34
